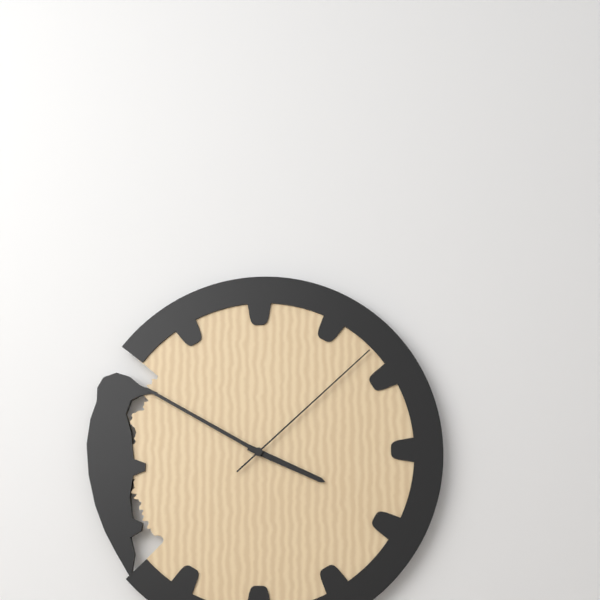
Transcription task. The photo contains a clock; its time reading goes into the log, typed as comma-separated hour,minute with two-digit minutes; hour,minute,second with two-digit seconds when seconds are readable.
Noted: 3,50,08
